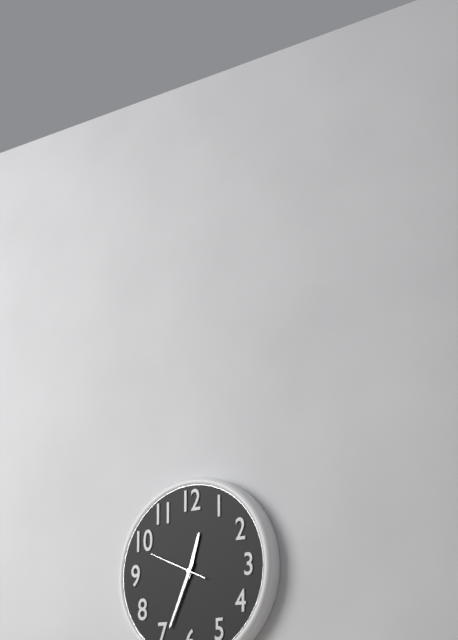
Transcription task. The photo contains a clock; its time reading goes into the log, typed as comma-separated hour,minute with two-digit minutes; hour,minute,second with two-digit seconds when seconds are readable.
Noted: 12,34,49
